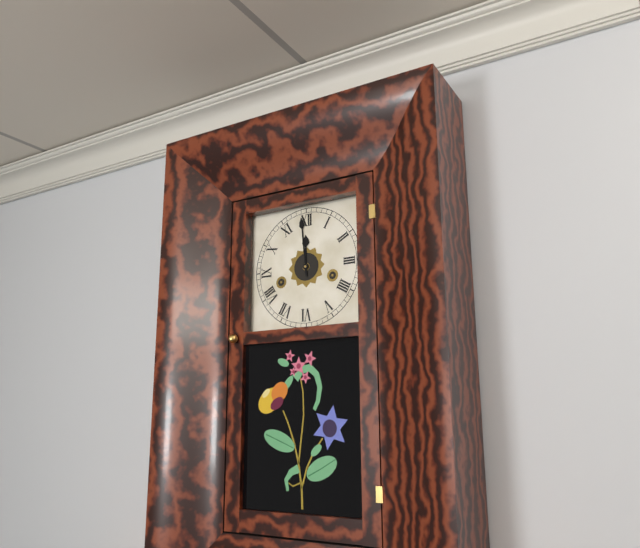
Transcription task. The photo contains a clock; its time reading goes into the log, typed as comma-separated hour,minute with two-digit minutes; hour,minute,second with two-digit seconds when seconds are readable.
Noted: 11,59
